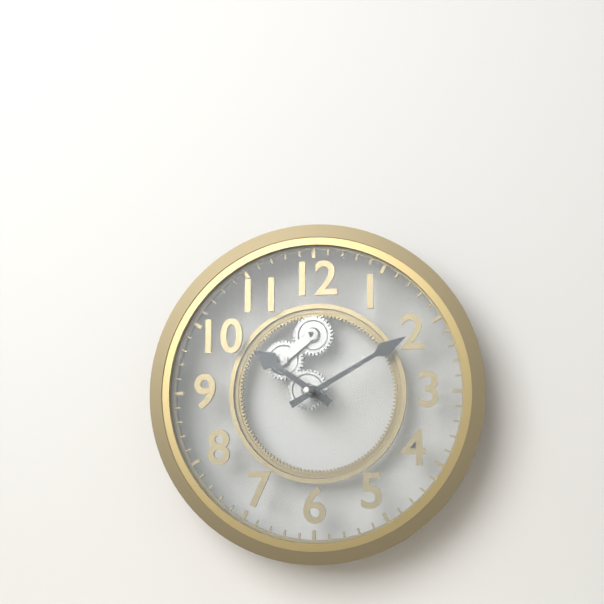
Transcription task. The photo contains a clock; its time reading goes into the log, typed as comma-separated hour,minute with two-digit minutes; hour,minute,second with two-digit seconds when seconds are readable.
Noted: 10,10
